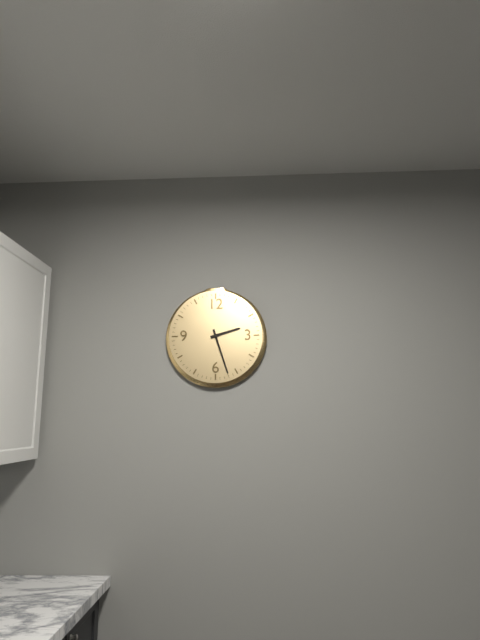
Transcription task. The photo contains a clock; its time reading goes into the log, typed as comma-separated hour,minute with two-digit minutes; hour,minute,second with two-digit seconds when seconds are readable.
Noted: 2,27
